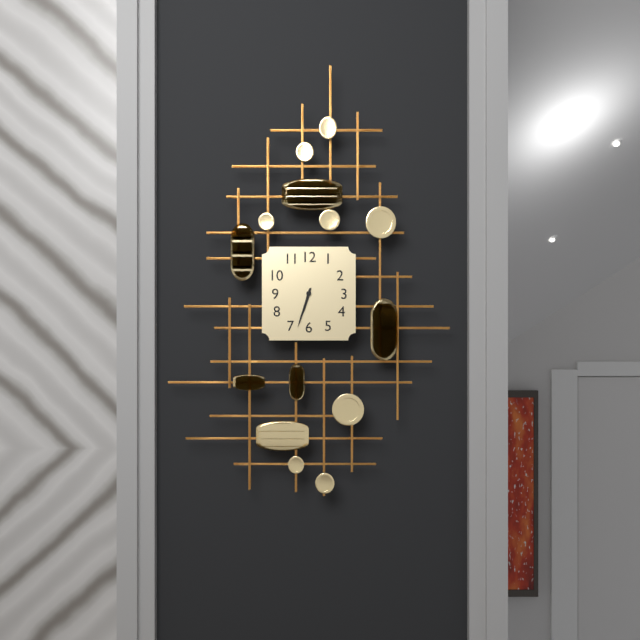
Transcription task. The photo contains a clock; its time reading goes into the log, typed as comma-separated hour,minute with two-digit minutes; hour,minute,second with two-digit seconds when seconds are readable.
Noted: 6,33
